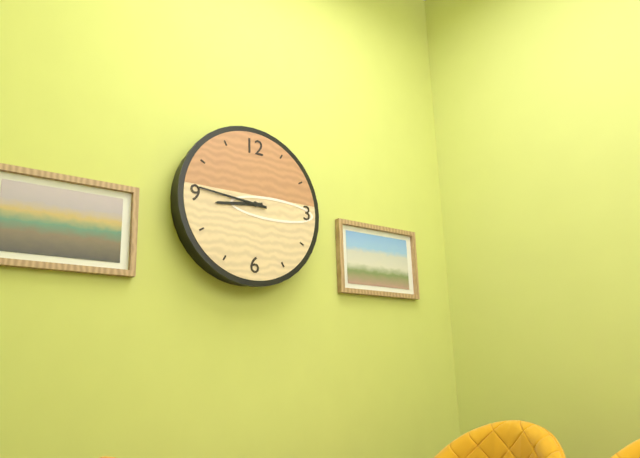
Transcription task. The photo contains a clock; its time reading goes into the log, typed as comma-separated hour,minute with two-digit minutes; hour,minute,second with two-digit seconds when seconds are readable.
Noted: 8,46
